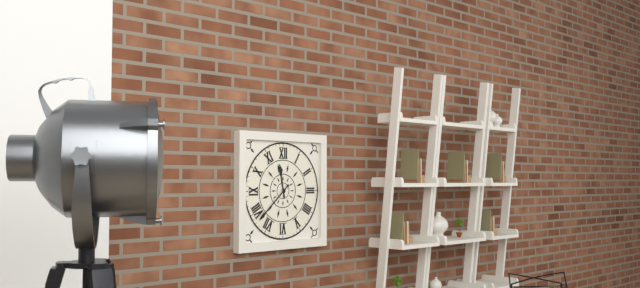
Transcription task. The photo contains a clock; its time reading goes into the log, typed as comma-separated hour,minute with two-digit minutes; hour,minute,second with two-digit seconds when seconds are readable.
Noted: 11,38
